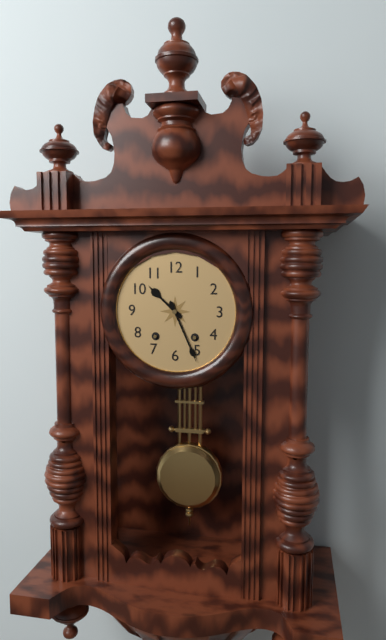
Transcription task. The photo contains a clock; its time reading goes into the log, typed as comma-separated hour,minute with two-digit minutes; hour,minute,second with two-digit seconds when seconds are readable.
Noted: 10,26
